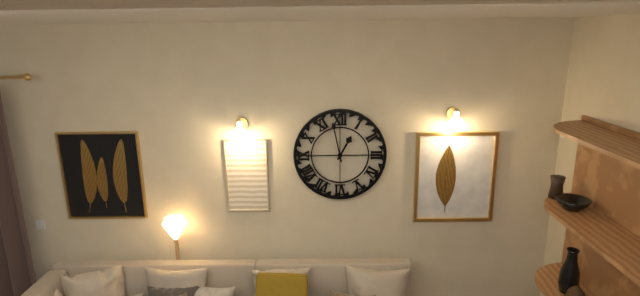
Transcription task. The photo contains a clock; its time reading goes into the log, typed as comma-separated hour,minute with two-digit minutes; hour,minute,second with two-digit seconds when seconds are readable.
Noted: 12,58
